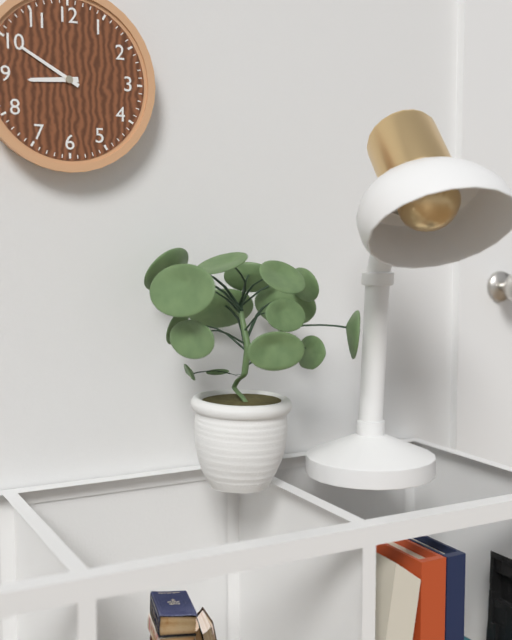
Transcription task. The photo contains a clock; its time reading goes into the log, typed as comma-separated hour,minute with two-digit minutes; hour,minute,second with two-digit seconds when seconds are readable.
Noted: 8,50
